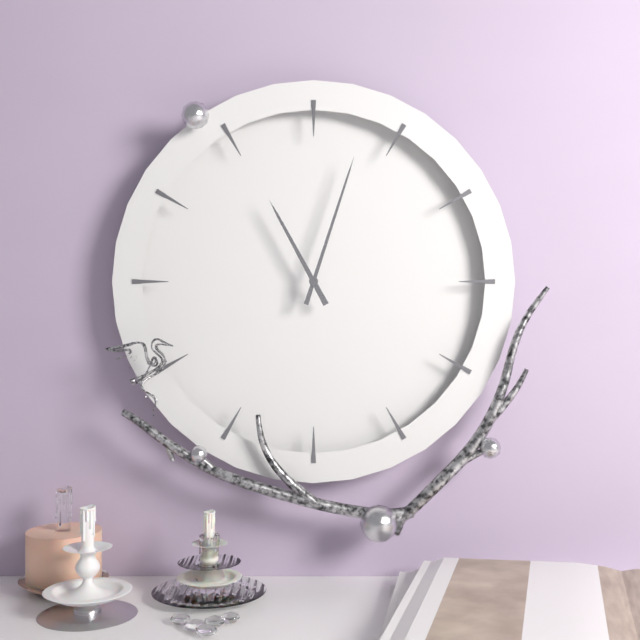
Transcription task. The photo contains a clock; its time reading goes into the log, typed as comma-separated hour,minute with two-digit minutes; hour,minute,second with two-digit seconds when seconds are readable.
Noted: 11,03
